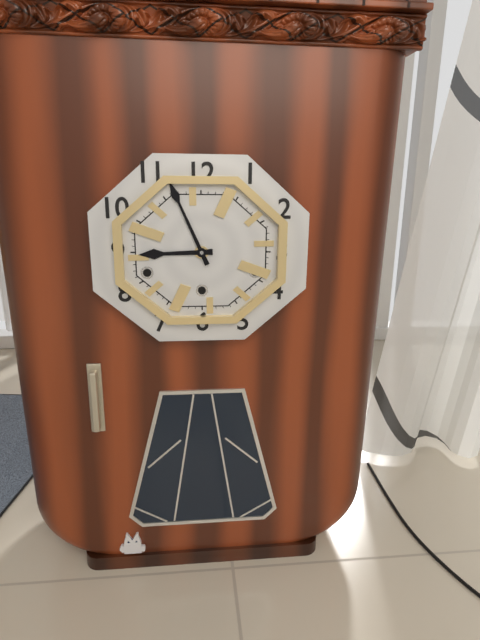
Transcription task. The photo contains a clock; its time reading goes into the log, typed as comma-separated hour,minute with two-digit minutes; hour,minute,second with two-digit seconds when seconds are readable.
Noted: 8,56
